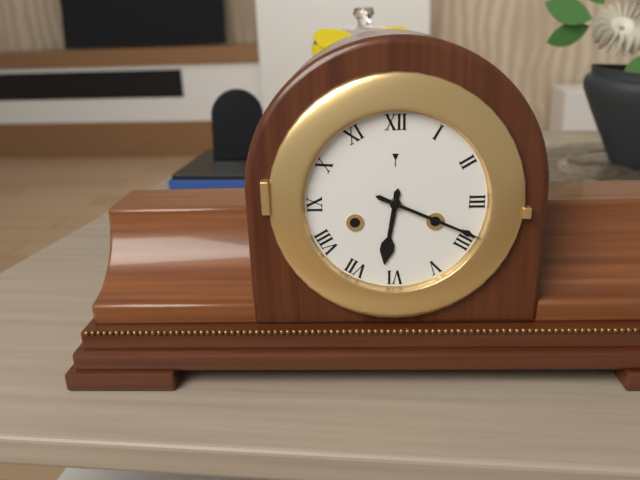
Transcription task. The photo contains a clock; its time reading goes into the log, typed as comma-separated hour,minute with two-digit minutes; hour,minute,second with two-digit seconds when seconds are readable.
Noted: 6,19
